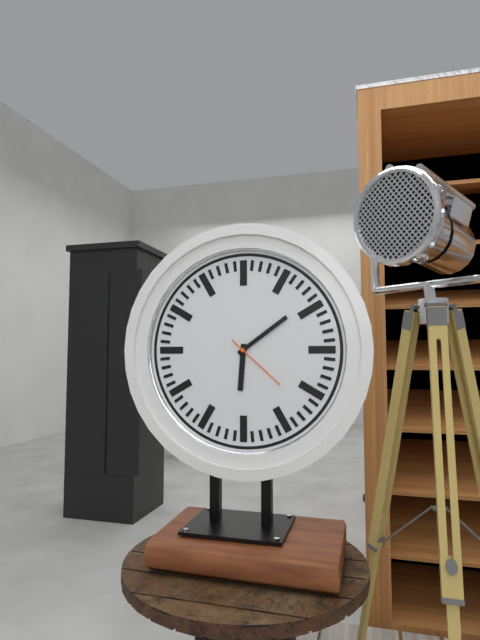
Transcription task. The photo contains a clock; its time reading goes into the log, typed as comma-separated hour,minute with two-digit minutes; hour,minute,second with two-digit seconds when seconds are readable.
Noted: 6,09,22
